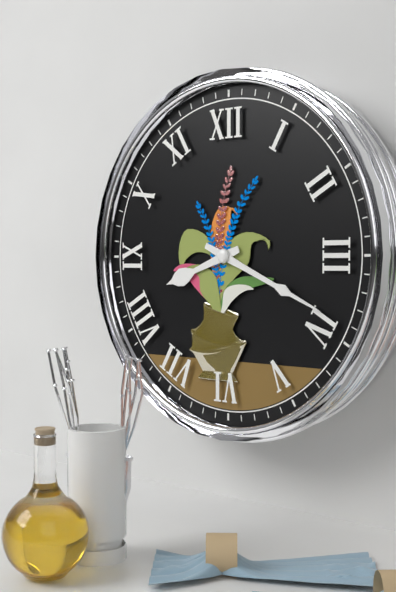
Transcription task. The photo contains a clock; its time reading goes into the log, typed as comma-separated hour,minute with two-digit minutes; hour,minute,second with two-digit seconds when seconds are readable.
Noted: 8,19
